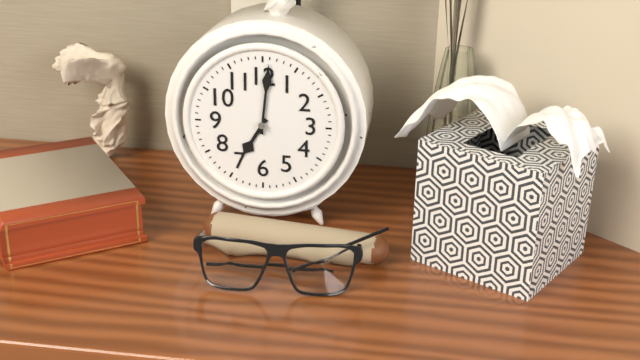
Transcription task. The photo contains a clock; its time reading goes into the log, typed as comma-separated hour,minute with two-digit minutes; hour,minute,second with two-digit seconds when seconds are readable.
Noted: 7,01
